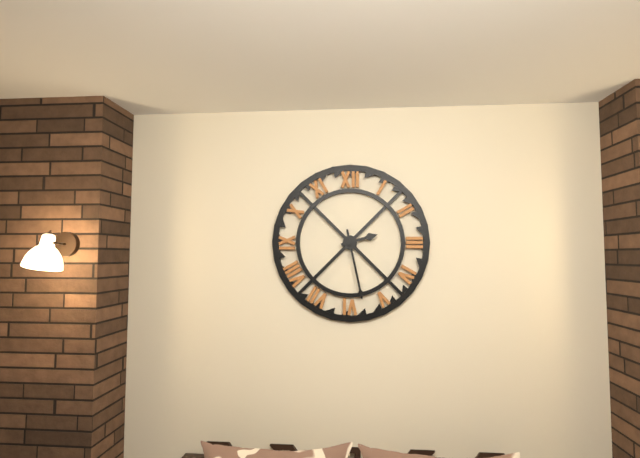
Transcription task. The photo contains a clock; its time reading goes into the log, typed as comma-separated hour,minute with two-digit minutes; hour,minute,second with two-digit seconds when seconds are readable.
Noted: 2,28
